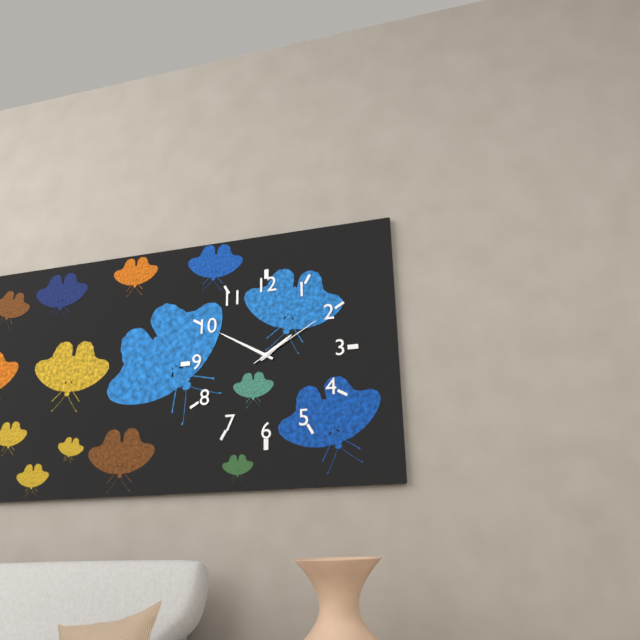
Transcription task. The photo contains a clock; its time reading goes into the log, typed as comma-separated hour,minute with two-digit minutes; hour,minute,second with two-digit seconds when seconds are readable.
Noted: 1,50,10
